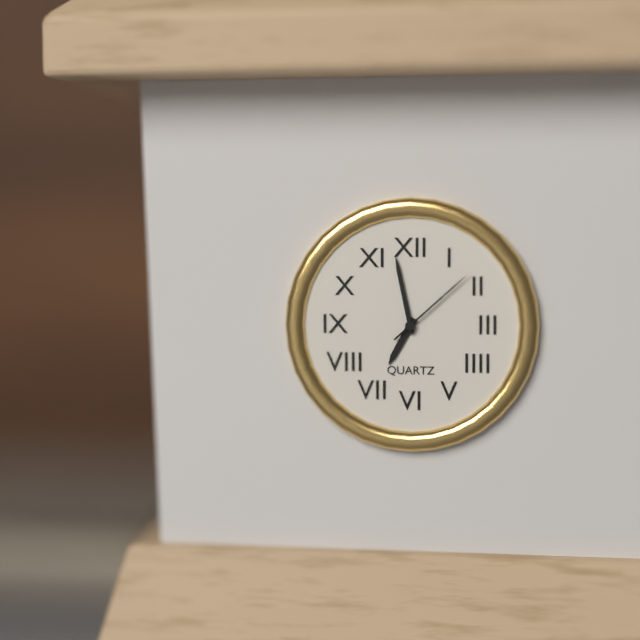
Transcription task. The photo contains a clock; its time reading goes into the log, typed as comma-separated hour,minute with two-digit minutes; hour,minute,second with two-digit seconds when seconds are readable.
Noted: 6,58,08
